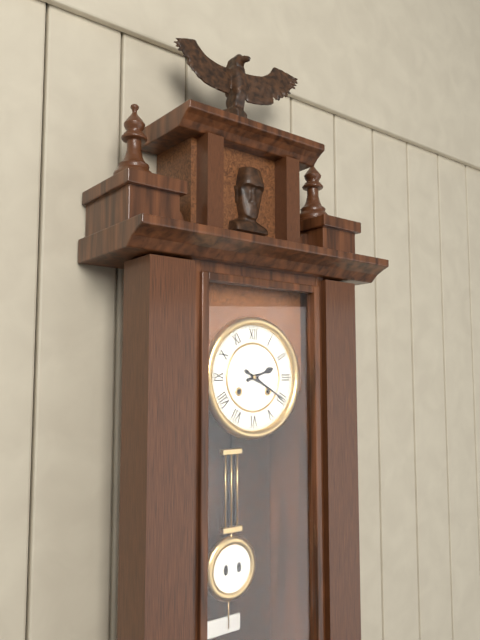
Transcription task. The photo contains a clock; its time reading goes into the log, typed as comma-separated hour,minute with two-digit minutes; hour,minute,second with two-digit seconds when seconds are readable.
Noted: 2,20
